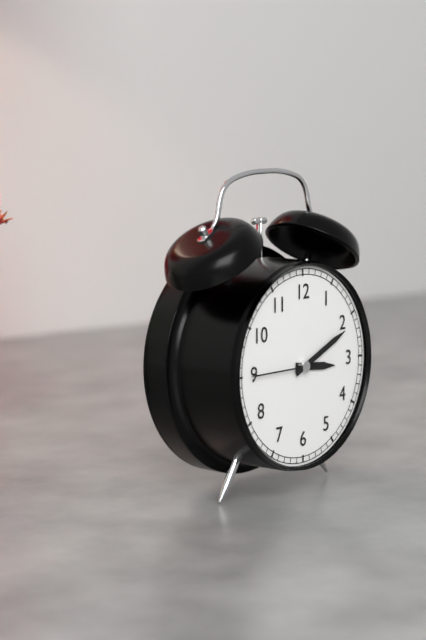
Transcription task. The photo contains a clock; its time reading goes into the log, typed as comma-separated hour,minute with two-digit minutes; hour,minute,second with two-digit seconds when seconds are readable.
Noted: 3,11,45
